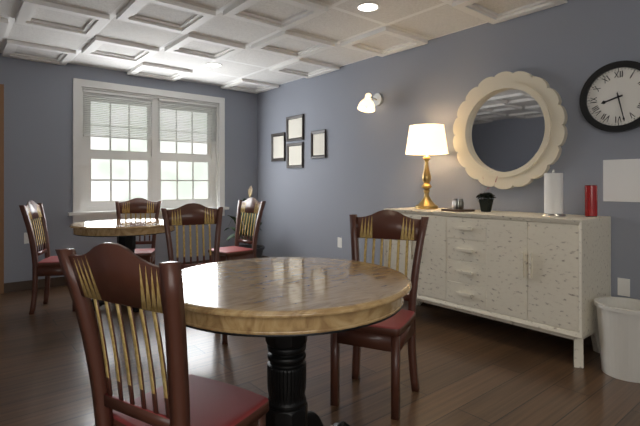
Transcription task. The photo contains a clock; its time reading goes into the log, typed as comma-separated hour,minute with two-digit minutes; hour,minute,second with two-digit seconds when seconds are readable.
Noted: 8,28
